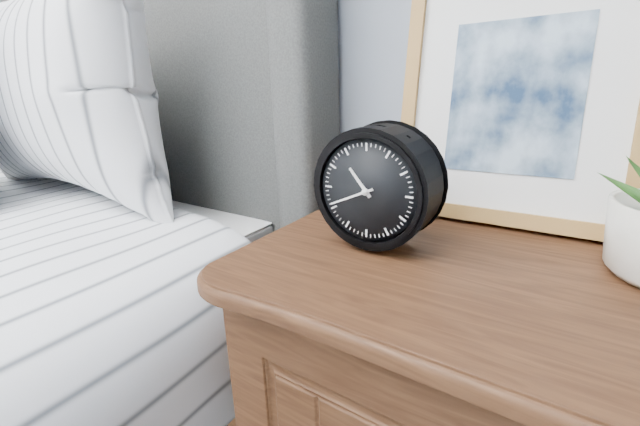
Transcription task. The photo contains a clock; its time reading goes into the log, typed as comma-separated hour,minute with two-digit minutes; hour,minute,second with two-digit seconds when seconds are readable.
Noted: 10,41
